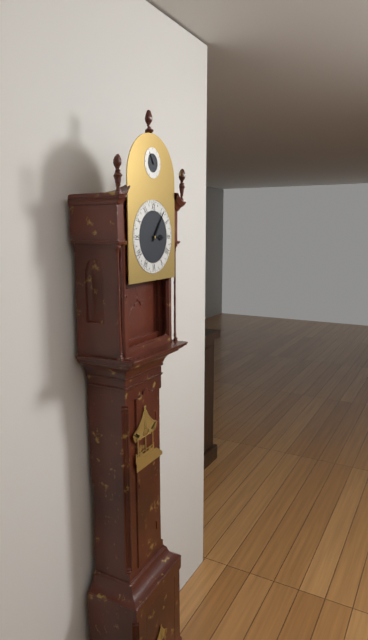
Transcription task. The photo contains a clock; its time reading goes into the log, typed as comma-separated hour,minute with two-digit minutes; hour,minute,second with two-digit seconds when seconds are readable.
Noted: 3,06
